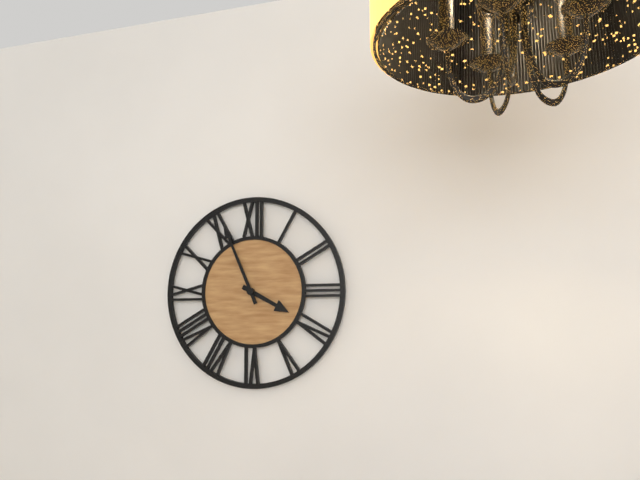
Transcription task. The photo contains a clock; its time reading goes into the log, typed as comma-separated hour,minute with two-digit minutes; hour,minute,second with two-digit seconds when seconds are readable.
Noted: 3,56
